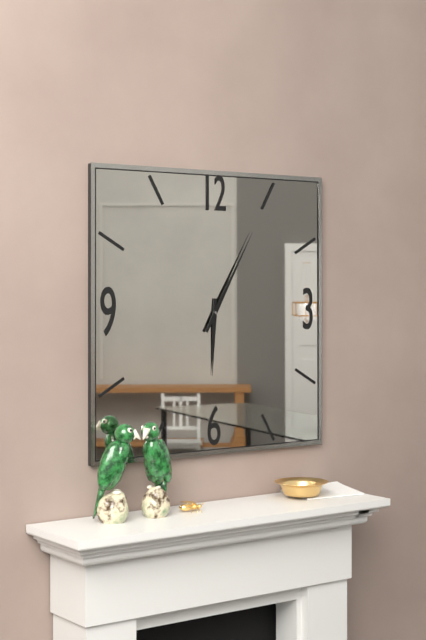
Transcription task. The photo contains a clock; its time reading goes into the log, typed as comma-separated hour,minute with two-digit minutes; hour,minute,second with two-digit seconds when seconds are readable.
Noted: 6,05
